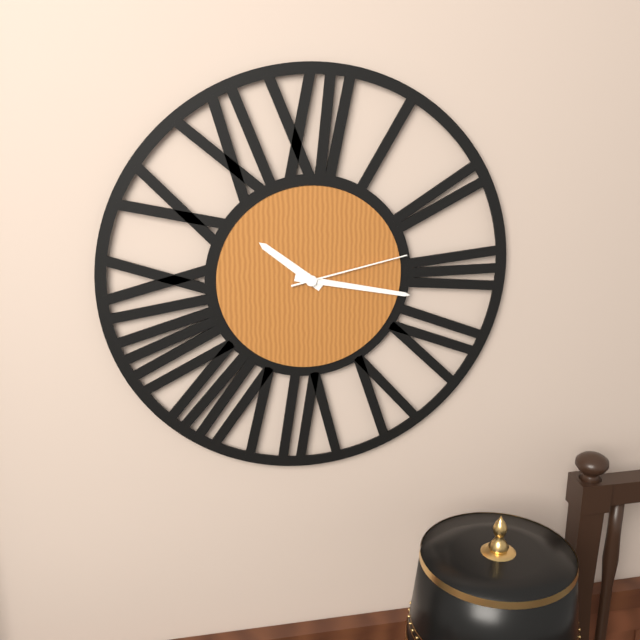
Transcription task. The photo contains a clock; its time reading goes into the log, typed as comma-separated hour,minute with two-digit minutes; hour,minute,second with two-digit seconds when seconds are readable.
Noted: 10,17,13
